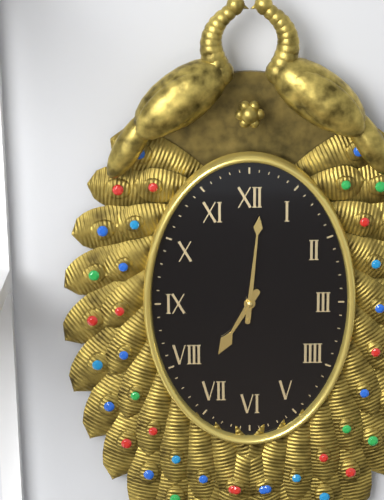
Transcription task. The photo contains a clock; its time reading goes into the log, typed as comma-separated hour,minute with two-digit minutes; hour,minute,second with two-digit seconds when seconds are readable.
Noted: 7,01
